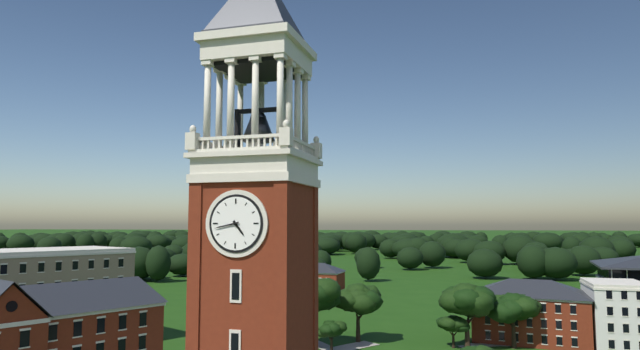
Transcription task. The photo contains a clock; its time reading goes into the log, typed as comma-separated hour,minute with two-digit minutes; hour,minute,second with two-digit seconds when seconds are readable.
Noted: 4,43
